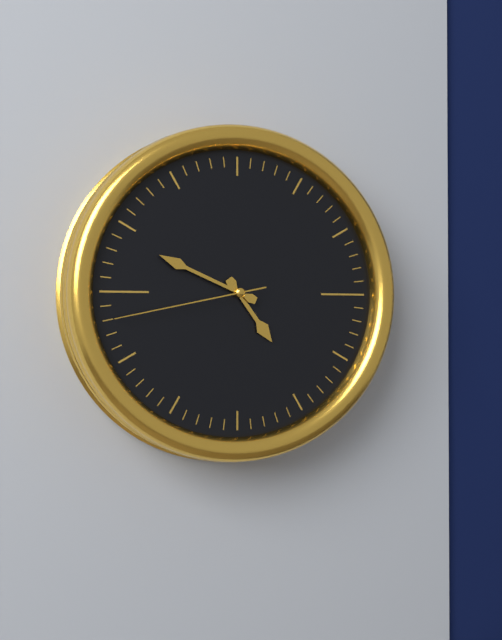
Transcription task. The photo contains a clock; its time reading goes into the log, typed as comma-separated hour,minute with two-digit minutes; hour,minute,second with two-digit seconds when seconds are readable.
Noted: 4,49,43
